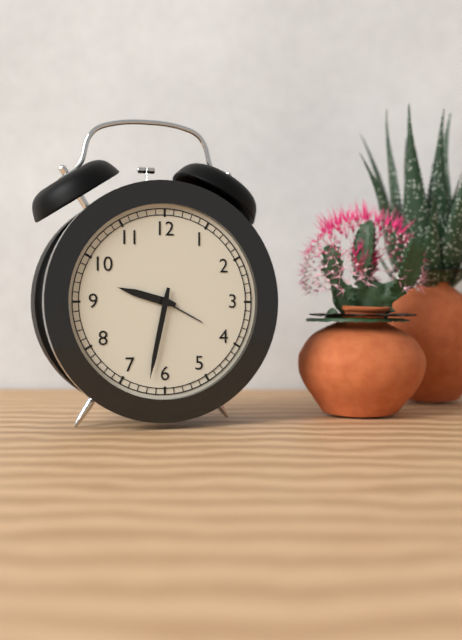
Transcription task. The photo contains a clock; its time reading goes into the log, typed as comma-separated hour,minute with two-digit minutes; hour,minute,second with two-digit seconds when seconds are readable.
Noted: 9,32
